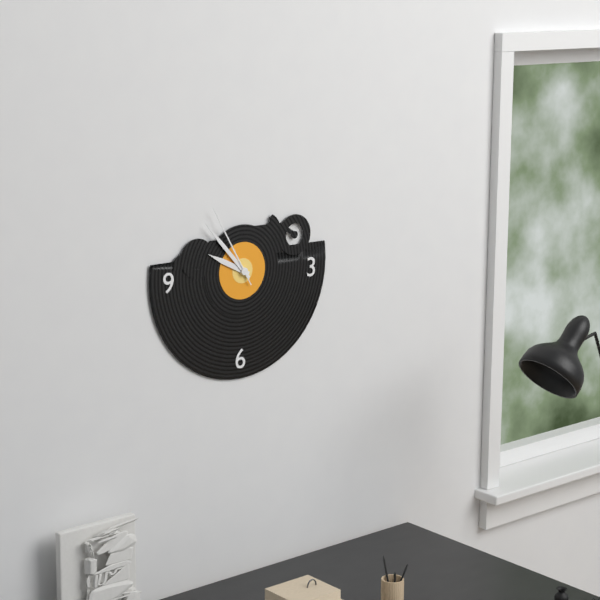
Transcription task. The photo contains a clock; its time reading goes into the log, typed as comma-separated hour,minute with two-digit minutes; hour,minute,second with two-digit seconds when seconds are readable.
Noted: 9,53,55
